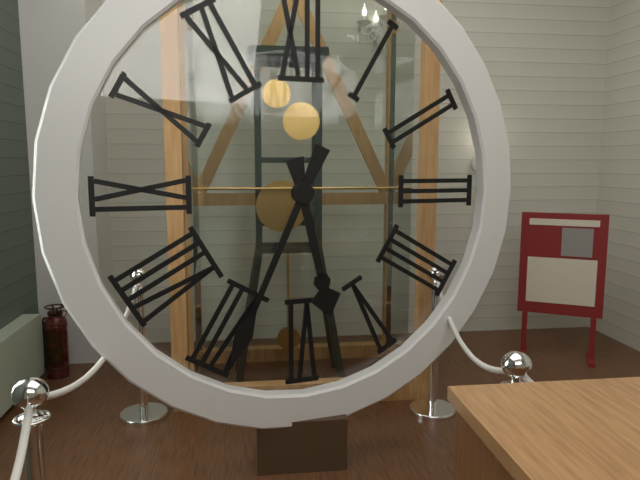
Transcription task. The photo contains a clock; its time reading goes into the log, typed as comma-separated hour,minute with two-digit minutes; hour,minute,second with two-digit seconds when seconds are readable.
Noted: 5,34
